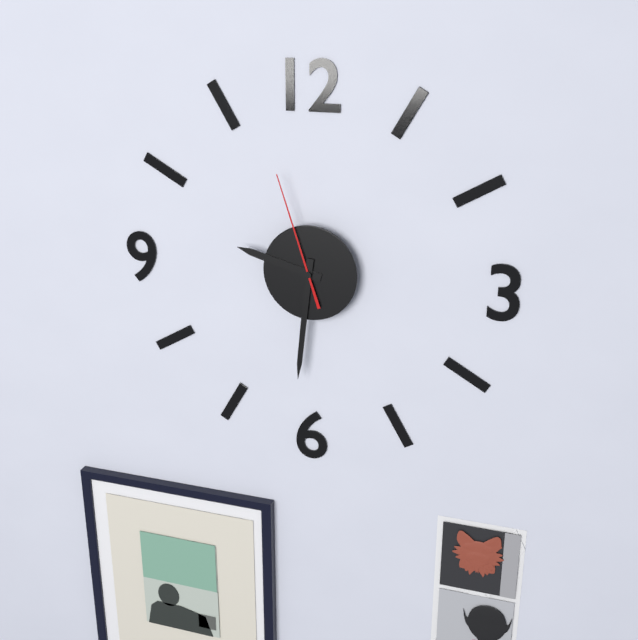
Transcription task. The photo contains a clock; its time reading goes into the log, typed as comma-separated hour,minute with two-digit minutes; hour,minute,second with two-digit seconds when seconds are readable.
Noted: 9,31,57
